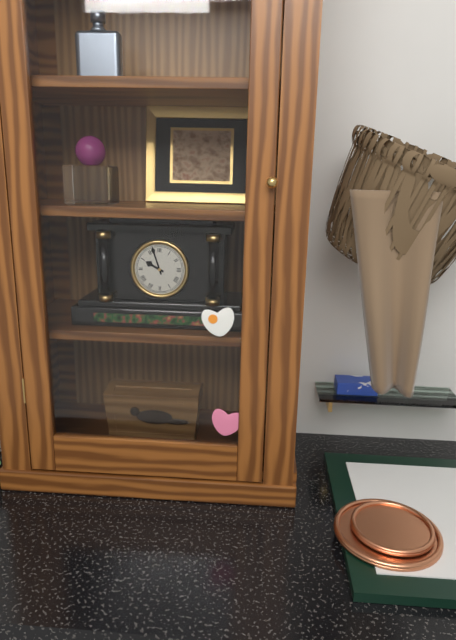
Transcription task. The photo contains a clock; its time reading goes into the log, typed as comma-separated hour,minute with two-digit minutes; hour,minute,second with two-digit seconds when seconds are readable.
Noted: 9,57
